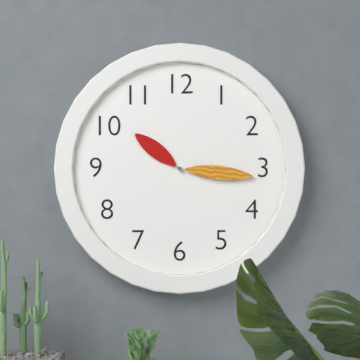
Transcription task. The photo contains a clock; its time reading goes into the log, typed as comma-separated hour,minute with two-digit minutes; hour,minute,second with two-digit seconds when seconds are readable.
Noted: 10,16
